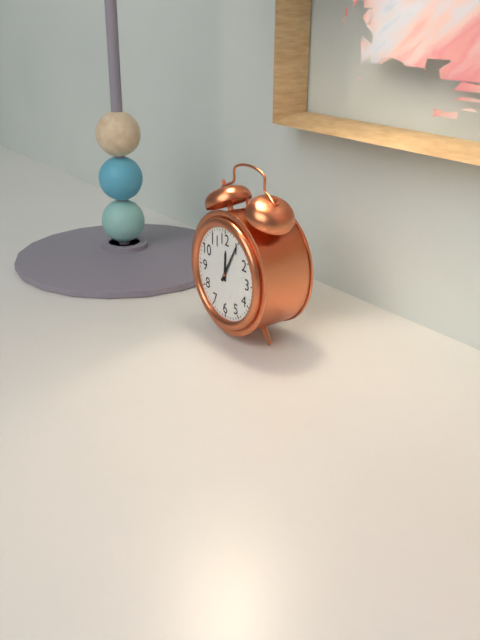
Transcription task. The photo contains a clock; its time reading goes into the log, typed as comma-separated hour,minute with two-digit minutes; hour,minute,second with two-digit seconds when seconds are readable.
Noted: 12,05
